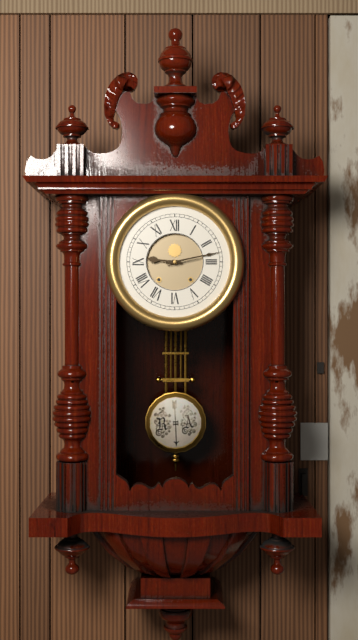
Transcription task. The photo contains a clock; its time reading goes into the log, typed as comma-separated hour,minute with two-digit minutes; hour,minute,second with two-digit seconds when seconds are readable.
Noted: 9,13
